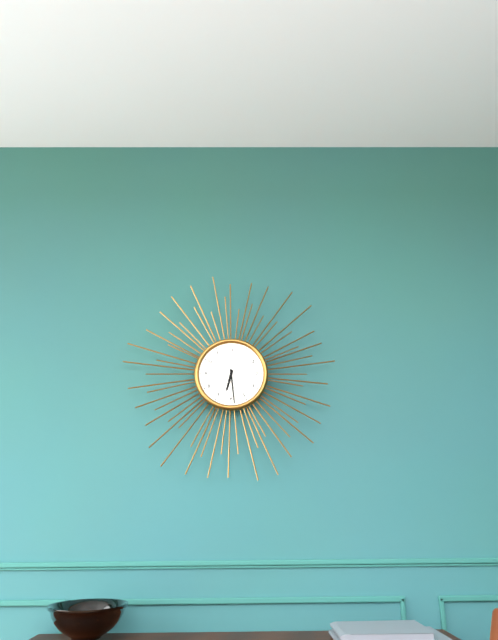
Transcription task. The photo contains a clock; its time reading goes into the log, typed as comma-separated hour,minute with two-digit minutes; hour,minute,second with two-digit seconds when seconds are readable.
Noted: 6,29
